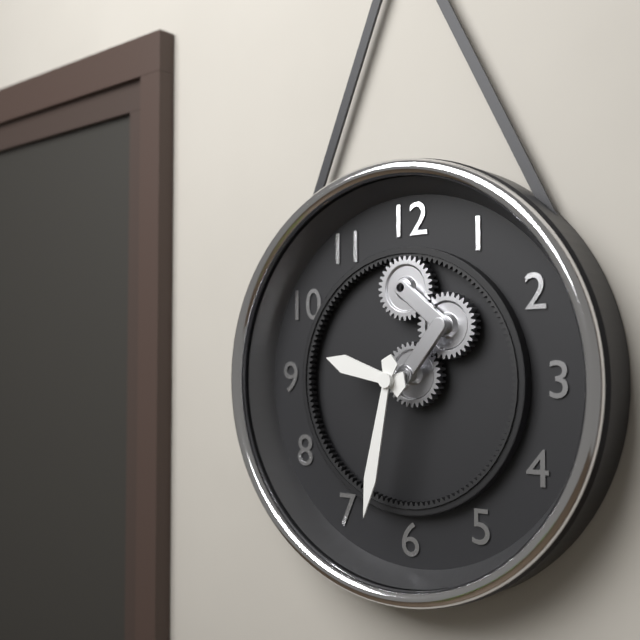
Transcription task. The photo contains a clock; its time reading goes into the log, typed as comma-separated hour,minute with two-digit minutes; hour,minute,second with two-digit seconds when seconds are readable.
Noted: 9,32
